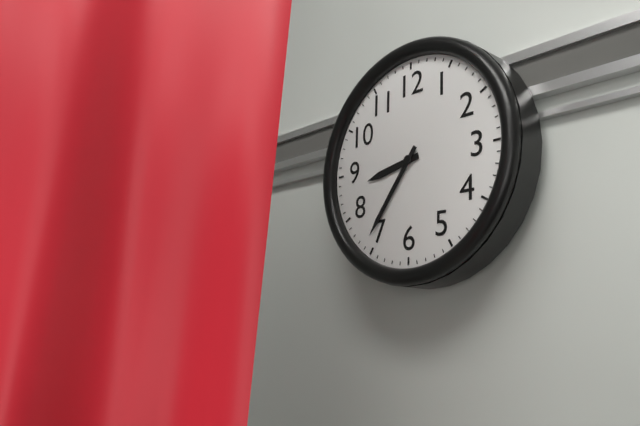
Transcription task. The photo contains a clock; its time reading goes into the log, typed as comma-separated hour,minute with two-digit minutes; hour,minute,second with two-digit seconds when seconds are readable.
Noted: 8,36
